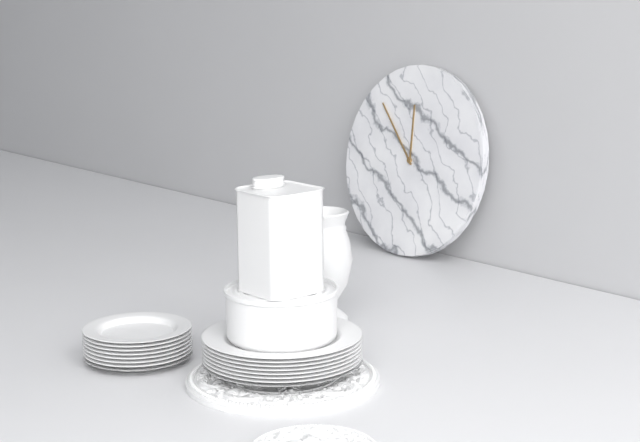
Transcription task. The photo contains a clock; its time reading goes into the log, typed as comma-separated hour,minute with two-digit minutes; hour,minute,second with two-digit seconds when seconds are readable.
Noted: 11,53
